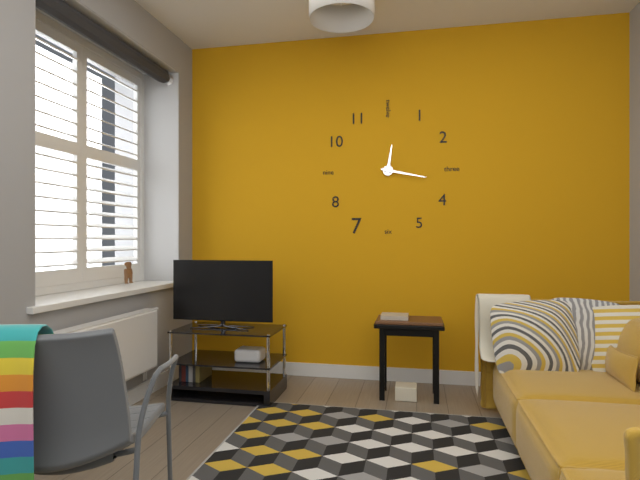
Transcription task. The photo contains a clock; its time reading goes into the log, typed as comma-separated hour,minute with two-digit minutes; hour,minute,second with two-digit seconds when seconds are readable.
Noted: 12,17
